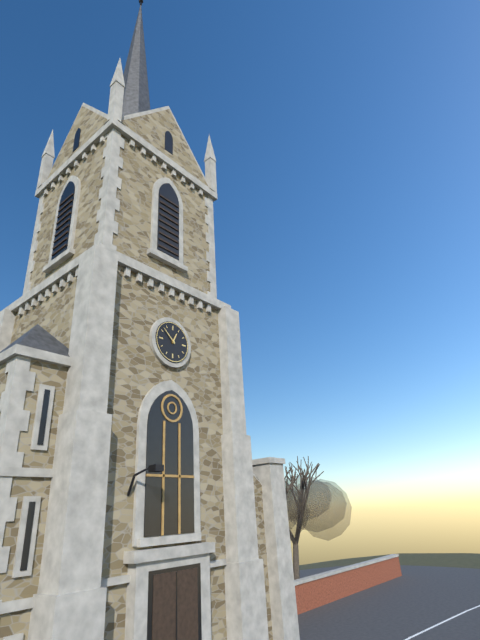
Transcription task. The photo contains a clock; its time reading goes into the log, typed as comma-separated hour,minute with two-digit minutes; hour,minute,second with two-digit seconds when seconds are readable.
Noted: 12,52
